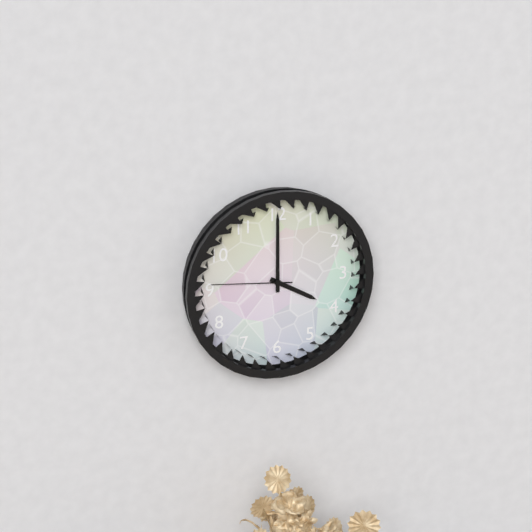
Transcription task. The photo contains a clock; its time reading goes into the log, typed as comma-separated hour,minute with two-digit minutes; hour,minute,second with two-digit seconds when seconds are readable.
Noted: 4,00,46
